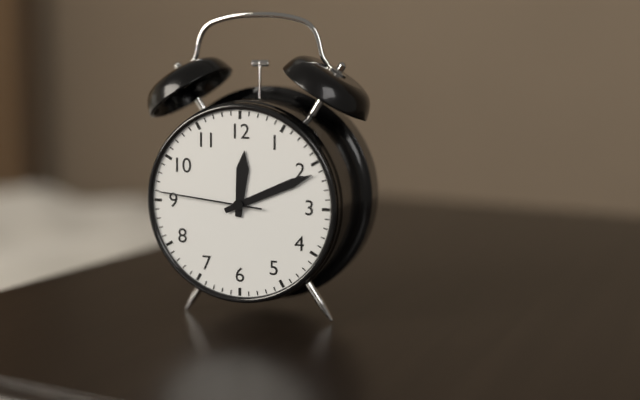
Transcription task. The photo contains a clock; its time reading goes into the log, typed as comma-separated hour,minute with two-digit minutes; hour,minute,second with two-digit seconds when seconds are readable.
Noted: 12,11,46
